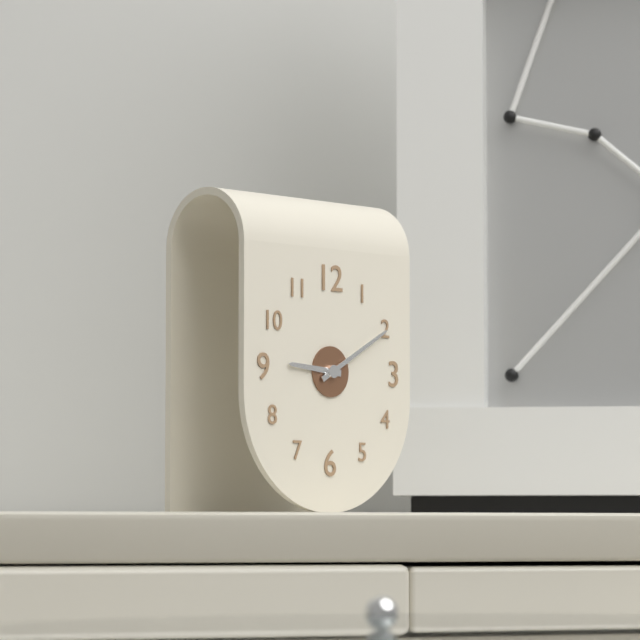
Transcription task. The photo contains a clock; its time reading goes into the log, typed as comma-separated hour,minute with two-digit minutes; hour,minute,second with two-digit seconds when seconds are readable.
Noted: 9,10
